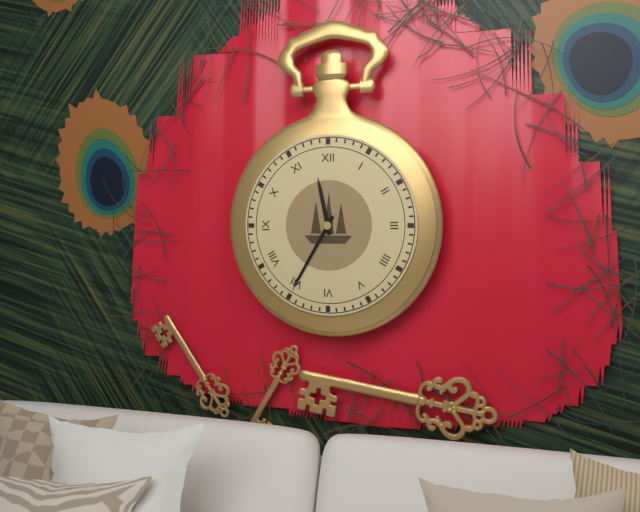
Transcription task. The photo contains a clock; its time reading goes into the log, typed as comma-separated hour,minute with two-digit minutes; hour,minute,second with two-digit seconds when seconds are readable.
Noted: 11,35
